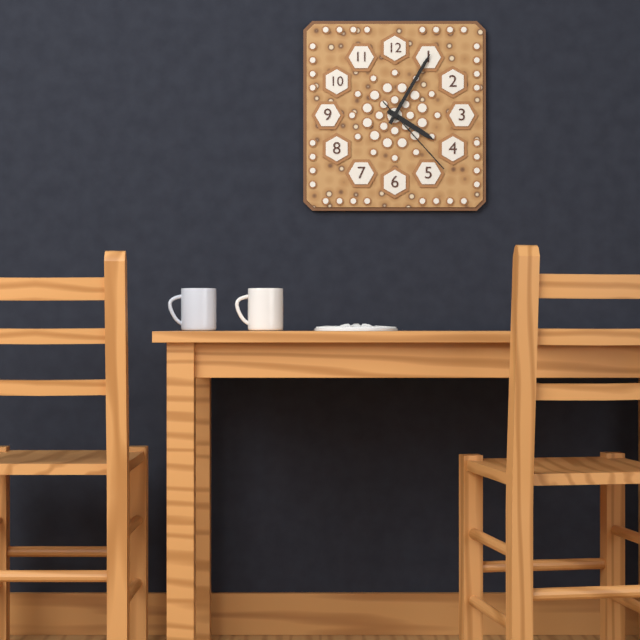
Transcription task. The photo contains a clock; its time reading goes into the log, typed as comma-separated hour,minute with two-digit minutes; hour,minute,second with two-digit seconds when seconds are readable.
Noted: 4,05,23
